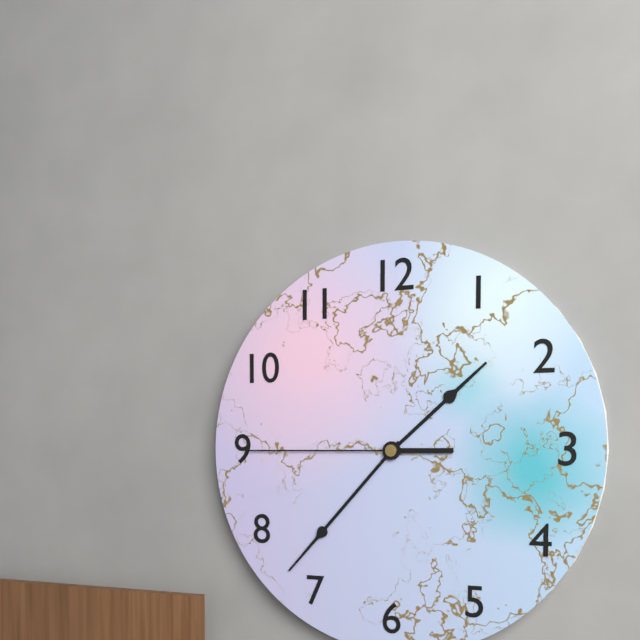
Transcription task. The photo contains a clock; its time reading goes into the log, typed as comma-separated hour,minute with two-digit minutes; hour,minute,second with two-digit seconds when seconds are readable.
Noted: 1,37,45
